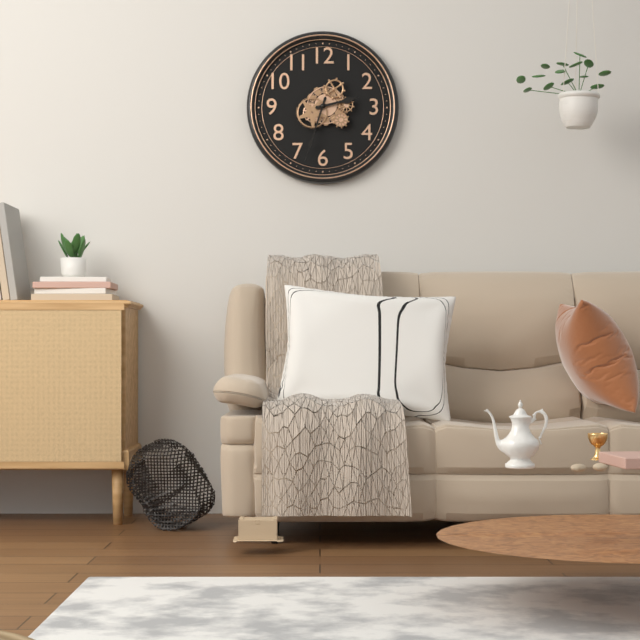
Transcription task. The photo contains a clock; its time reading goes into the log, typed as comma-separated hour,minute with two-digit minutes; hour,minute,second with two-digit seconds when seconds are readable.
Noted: 2,33
